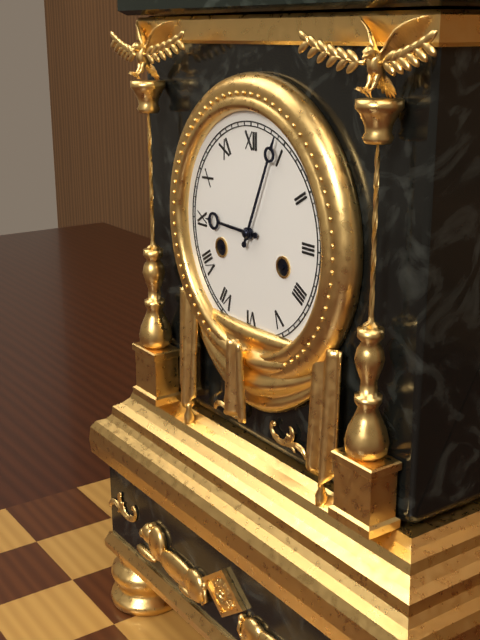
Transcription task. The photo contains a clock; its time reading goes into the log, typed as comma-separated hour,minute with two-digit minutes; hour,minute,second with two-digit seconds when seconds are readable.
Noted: 9,04
